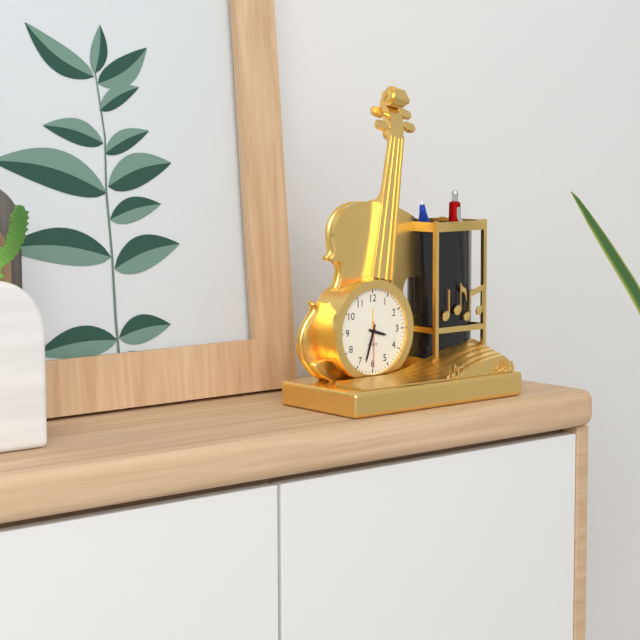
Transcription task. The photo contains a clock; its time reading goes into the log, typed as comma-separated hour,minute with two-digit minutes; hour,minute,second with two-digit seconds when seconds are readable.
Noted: 3,33
